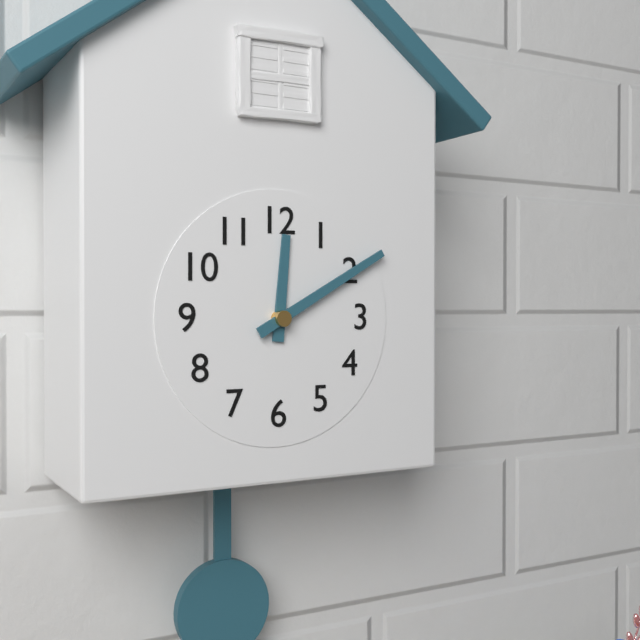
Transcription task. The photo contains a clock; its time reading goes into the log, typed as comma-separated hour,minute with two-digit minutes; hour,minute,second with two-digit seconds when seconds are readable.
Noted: 12,10
